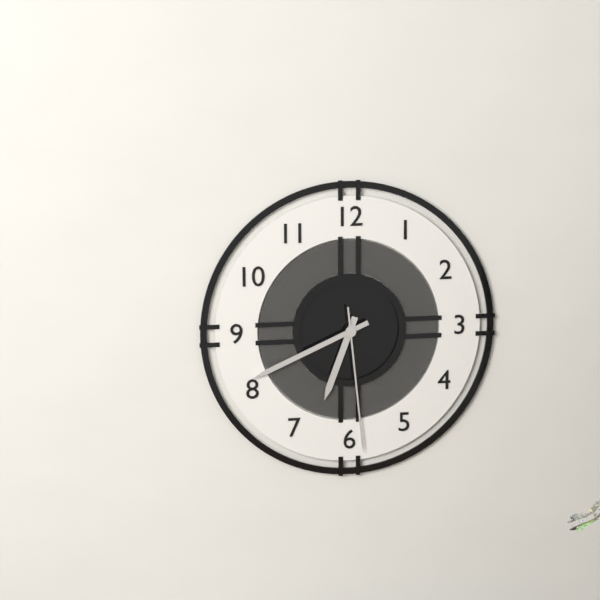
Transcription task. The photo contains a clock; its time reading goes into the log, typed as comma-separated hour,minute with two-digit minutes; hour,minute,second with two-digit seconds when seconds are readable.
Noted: 6,41,29
